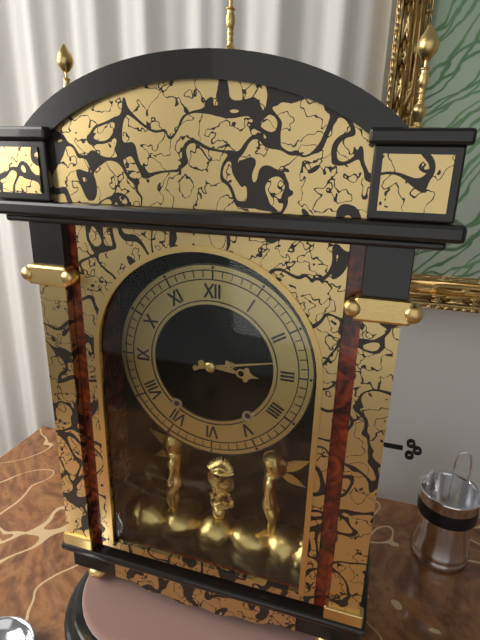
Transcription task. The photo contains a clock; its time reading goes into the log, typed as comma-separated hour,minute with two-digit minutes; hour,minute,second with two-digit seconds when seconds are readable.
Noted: 3,13
